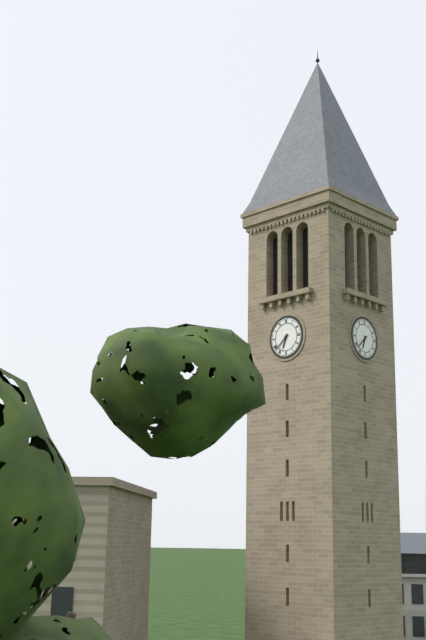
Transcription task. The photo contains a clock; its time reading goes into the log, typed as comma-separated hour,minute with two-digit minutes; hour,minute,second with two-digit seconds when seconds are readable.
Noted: 6,38
